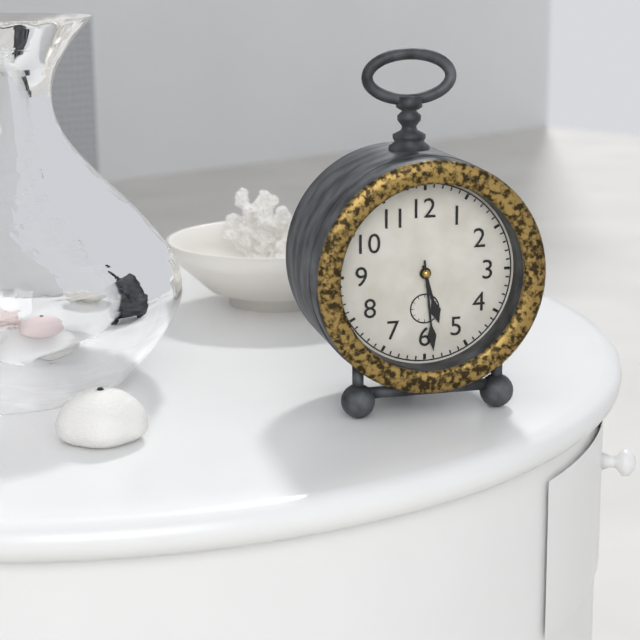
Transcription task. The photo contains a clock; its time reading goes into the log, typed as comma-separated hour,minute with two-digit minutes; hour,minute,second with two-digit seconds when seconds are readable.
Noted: 5,29
